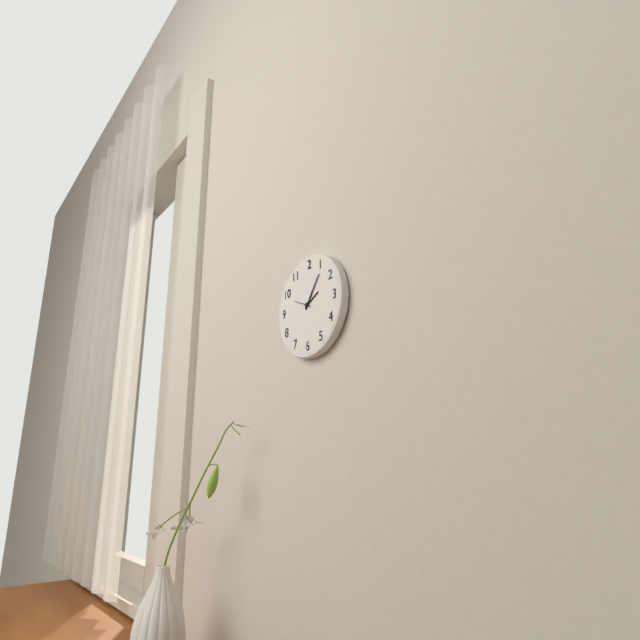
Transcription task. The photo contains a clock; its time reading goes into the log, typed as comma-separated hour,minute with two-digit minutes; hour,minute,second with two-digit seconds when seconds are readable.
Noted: 2,06
